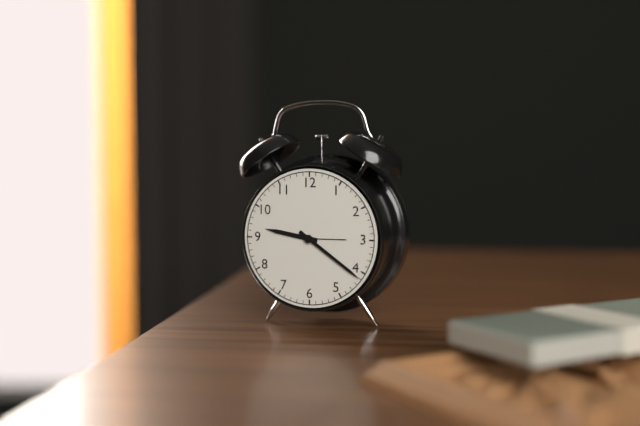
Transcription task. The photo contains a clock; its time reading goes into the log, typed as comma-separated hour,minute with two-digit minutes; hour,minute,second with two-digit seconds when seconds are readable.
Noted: 9,21
